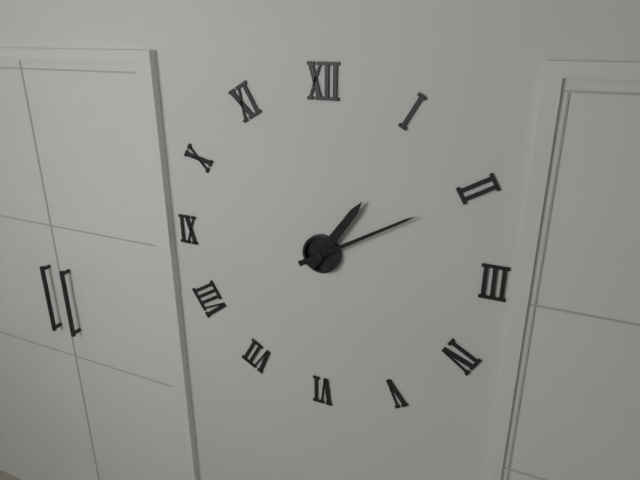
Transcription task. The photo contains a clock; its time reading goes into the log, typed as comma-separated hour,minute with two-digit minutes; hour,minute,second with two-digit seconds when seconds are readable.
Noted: 1,10
